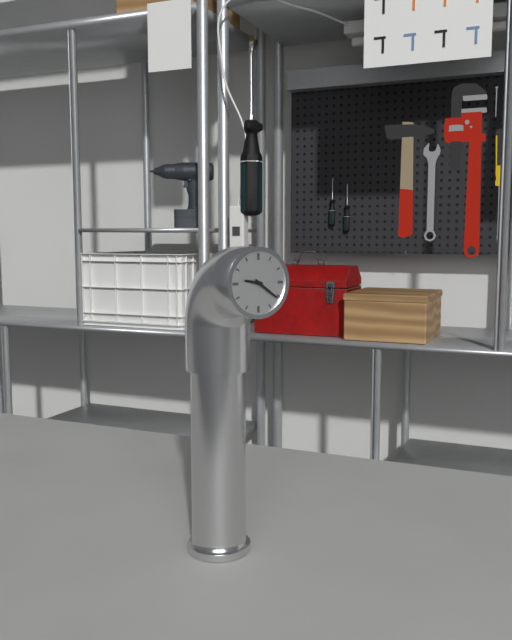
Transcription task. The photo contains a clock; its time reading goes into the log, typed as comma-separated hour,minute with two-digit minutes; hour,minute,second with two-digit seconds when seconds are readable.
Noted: 9,21
